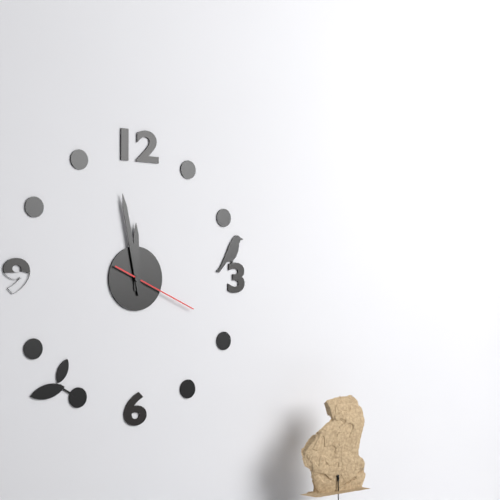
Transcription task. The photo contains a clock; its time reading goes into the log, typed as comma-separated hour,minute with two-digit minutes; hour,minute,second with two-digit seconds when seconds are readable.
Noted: 11,58,19
